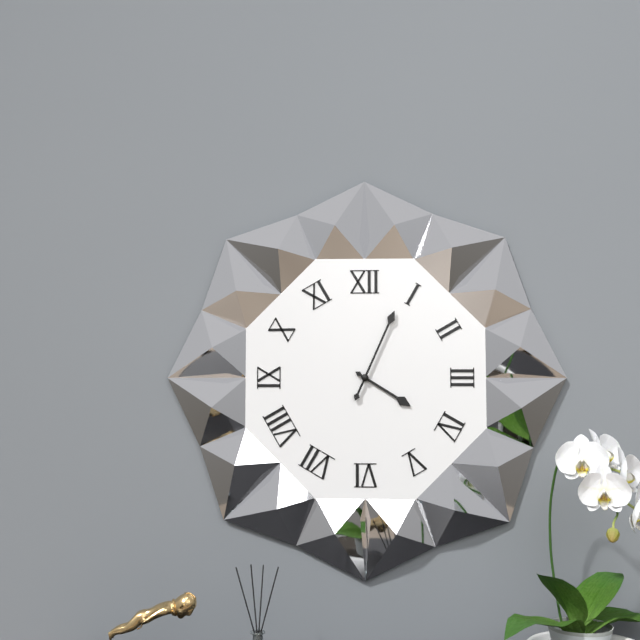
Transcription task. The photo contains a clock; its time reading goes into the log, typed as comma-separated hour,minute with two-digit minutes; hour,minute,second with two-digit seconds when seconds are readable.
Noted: 4,04
